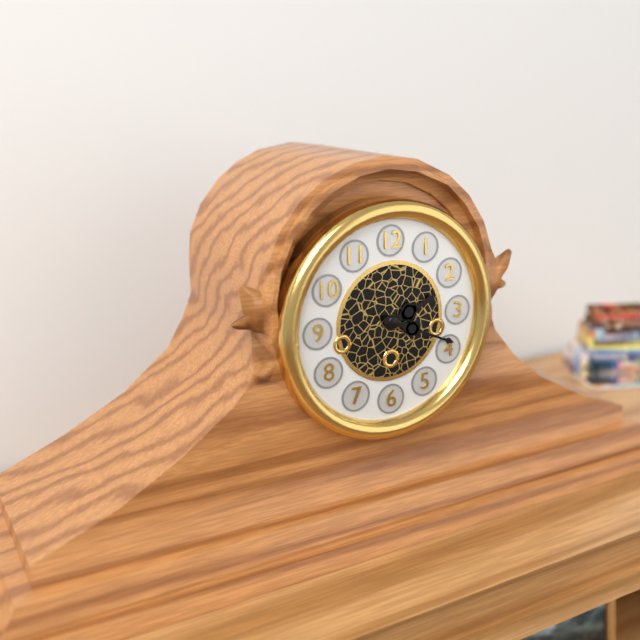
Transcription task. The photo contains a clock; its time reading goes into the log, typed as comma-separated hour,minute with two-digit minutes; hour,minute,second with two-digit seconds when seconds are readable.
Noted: 2,19
